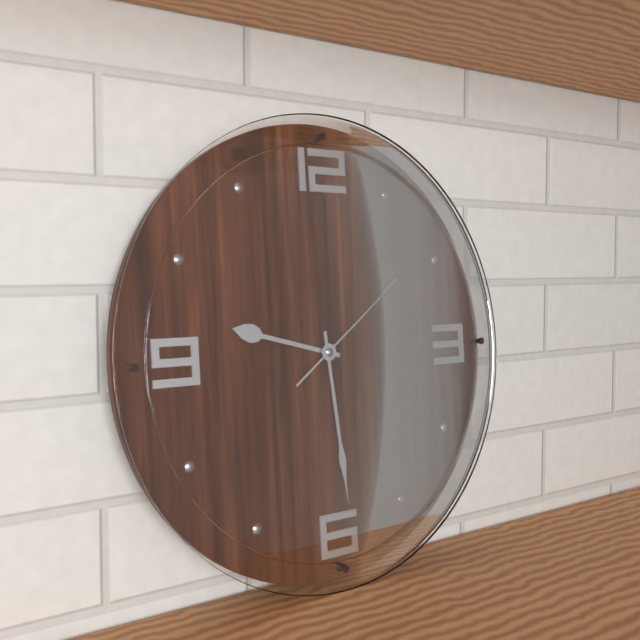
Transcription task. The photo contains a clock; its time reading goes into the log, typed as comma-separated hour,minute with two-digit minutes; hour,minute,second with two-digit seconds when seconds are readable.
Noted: 9,29,09
